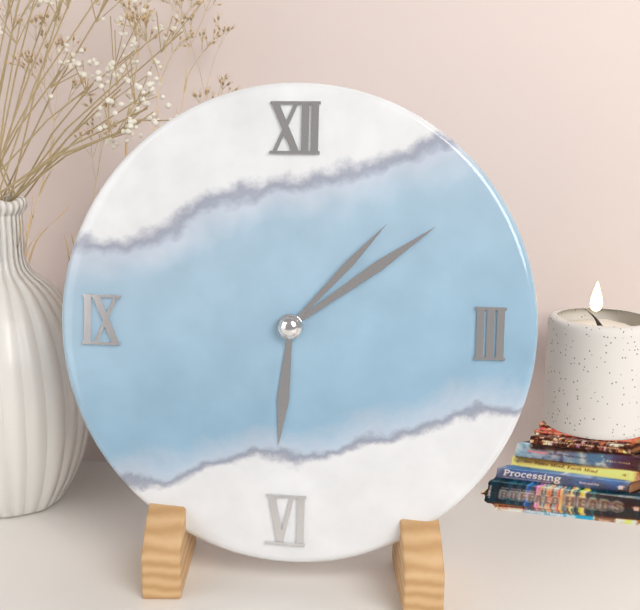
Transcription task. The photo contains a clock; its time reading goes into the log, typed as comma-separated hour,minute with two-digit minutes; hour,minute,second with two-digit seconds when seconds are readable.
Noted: 6,09,07
